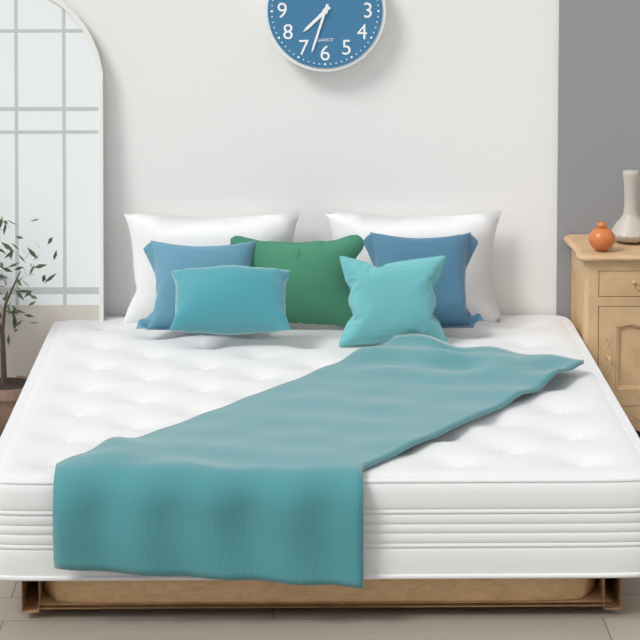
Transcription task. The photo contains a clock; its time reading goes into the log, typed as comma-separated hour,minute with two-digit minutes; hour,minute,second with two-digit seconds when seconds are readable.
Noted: 7,33
